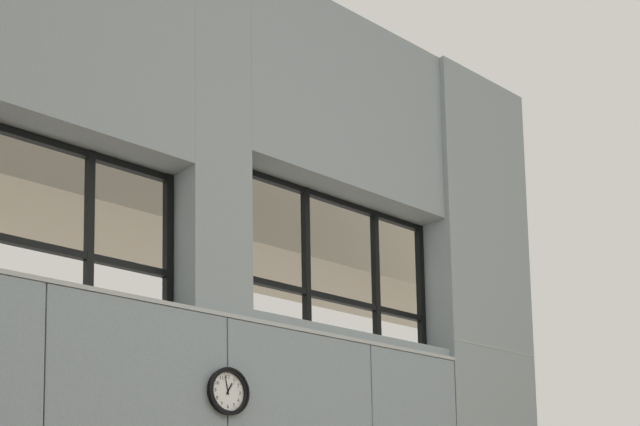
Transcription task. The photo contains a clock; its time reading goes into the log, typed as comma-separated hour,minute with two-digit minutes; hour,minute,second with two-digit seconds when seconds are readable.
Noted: 12,58
